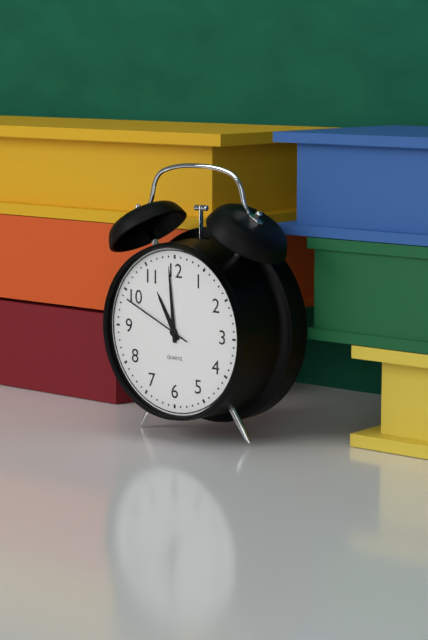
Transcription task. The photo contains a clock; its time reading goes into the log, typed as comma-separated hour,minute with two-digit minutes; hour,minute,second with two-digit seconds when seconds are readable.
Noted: 10,59,49
